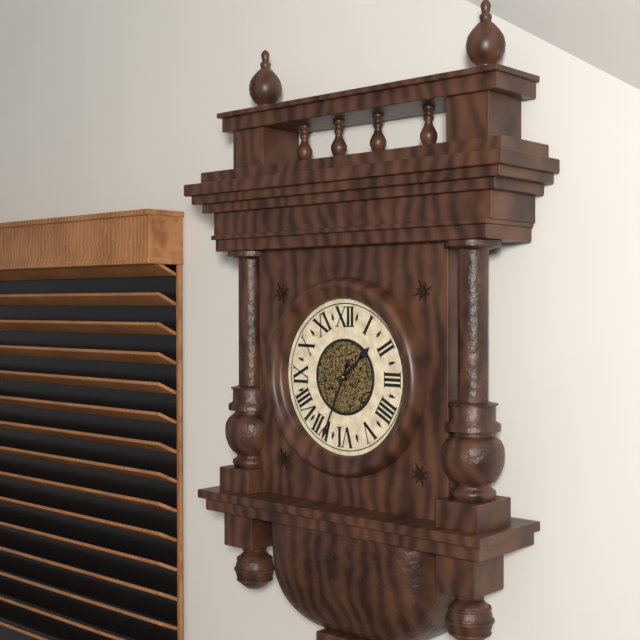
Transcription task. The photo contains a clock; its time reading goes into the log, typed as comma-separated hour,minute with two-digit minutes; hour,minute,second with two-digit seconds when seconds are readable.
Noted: 1,34
